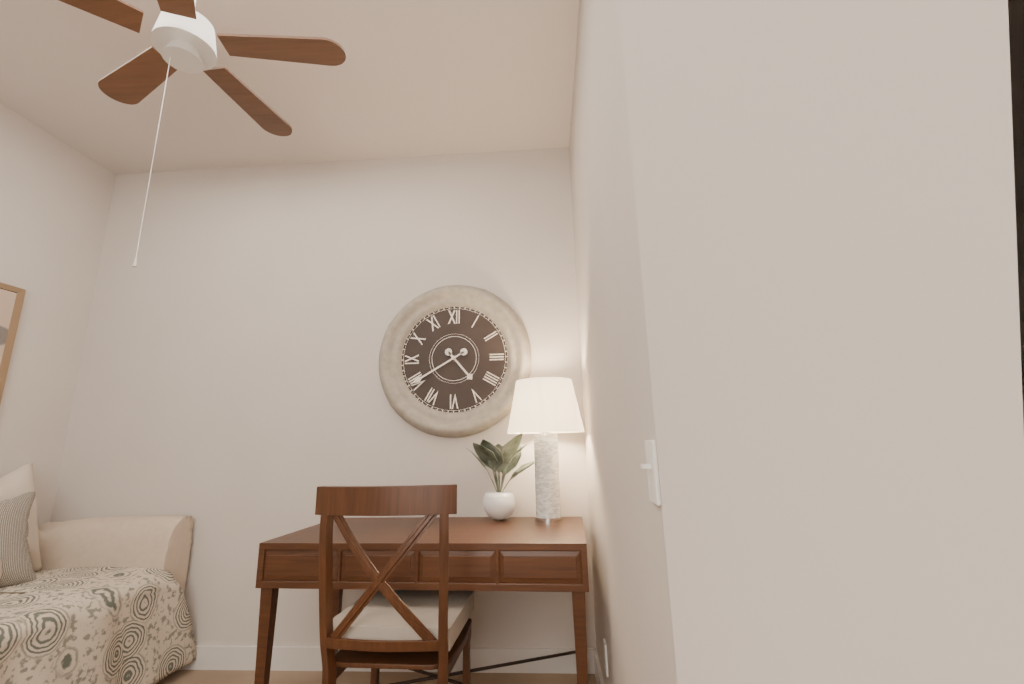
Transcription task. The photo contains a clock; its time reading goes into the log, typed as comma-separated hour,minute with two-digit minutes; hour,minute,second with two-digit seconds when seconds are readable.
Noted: 4,40
